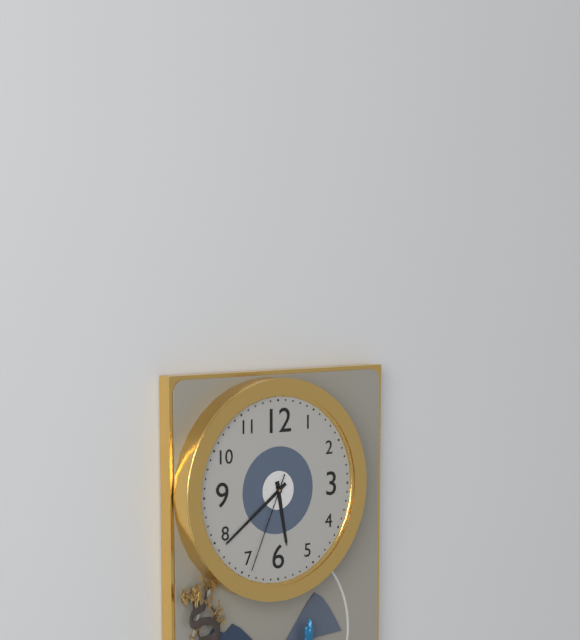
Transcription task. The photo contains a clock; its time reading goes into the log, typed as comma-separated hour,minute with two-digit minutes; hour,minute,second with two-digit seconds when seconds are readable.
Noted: 5,39,34
